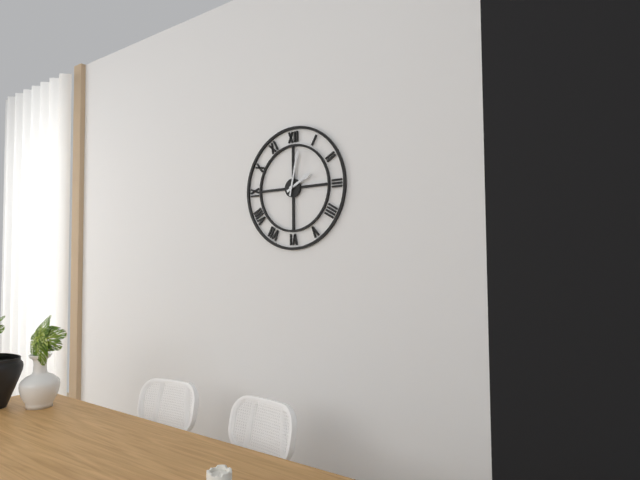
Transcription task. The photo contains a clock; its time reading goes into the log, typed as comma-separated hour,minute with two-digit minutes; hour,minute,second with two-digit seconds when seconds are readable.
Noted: 2,02
